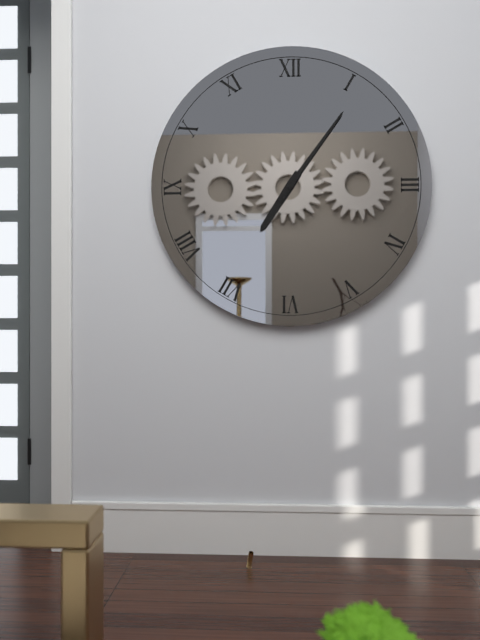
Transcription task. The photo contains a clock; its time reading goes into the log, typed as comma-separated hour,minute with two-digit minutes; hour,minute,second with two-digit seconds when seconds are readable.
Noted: 7,06
